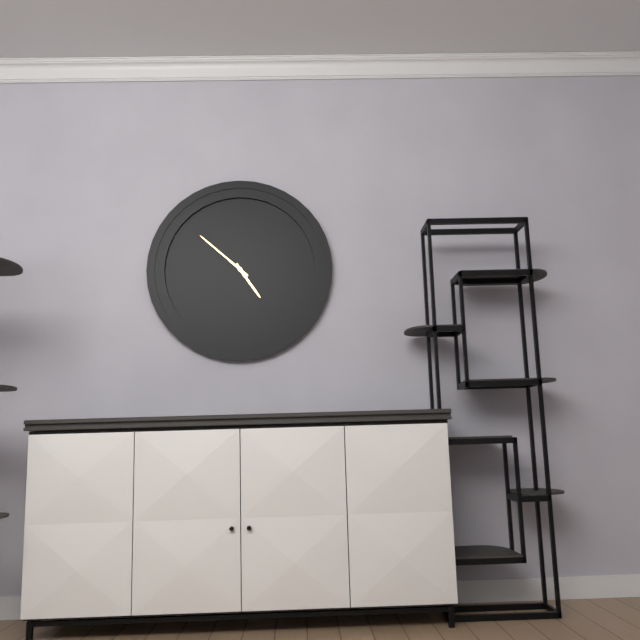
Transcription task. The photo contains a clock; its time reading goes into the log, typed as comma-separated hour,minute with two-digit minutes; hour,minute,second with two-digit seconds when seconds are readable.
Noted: 4,52
